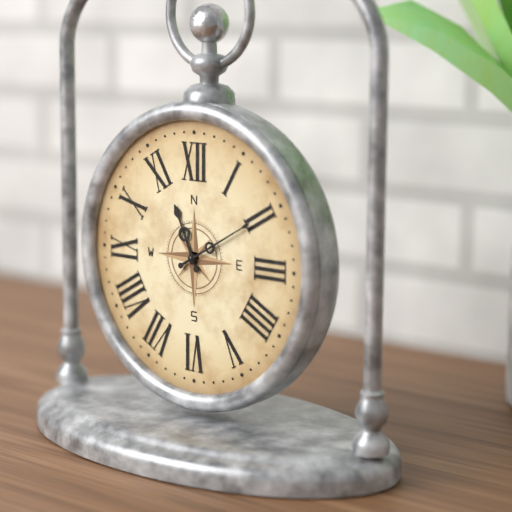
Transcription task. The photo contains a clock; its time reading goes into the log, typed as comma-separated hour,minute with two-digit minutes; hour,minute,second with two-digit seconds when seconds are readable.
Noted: 11,10
